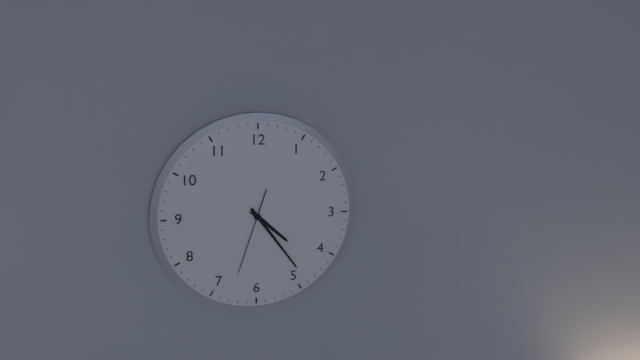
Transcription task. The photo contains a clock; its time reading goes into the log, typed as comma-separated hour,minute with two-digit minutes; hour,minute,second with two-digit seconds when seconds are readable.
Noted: 4,24,33
